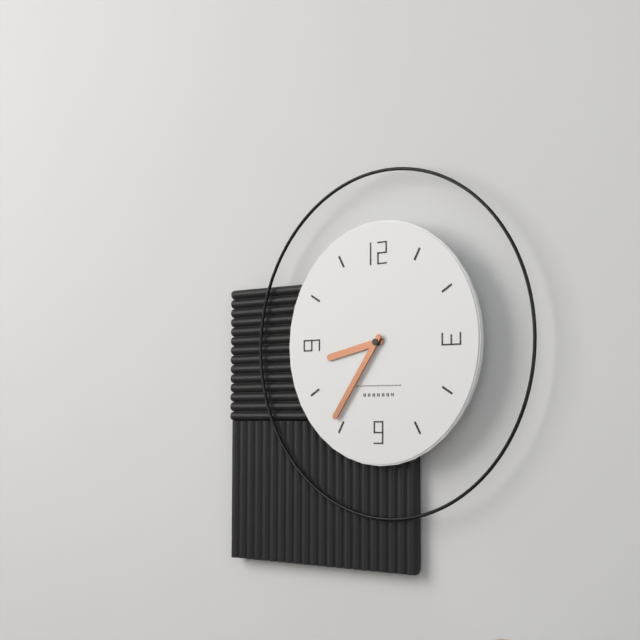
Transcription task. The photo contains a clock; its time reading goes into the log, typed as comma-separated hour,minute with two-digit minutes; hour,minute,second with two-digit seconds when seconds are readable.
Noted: 8,36
